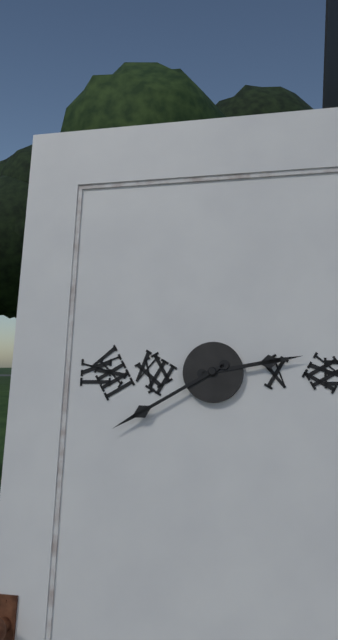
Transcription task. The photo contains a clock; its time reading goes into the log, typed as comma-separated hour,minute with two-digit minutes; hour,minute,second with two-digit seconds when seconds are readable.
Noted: 2,40
